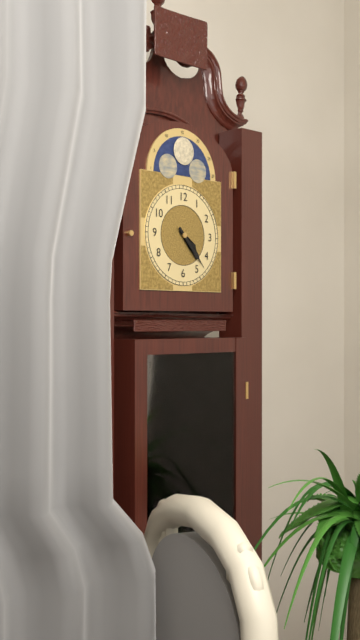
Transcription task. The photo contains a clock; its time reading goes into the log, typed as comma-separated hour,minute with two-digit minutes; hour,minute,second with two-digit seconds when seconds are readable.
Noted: 4,23
